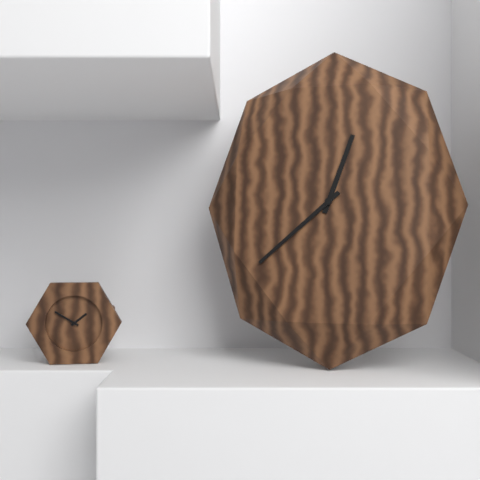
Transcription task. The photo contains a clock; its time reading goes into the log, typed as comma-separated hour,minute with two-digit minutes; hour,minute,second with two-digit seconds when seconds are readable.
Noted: 12,38
